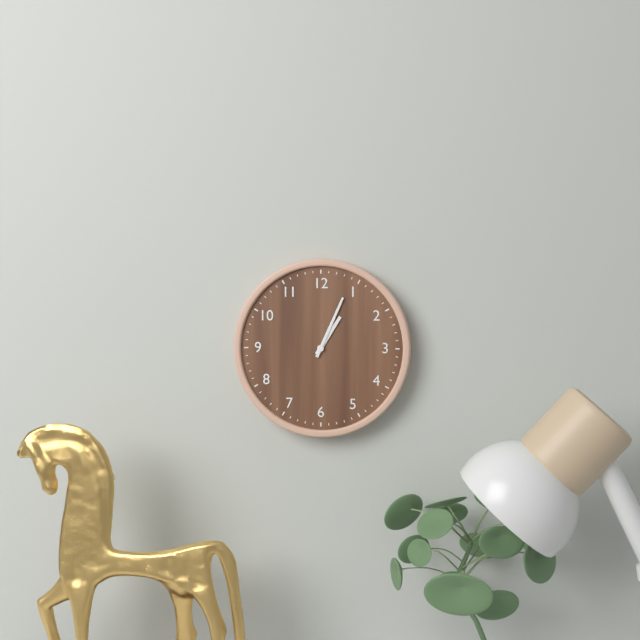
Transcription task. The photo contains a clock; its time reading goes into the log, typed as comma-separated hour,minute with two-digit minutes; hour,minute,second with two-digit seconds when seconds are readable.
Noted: 1,04
